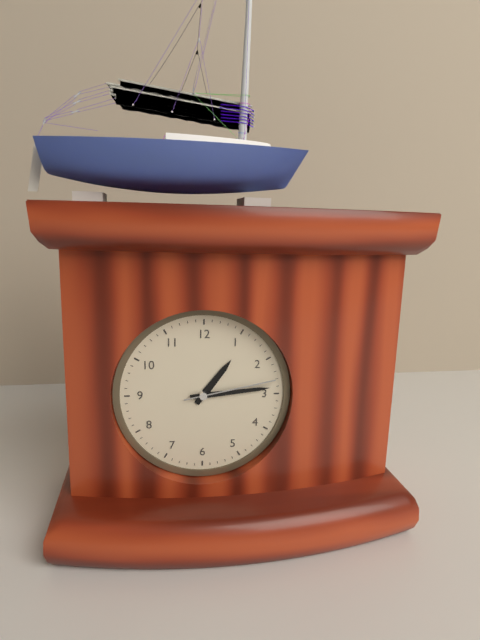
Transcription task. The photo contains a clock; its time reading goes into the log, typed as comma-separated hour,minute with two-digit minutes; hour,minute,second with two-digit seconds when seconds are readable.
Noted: 1,14,13
